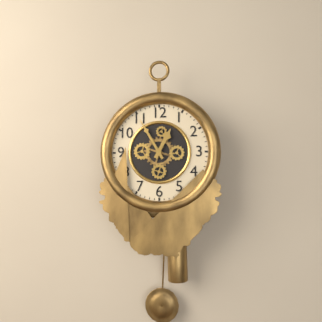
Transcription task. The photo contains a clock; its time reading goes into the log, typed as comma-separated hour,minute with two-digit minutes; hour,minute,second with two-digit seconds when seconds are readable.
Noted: 12,55
